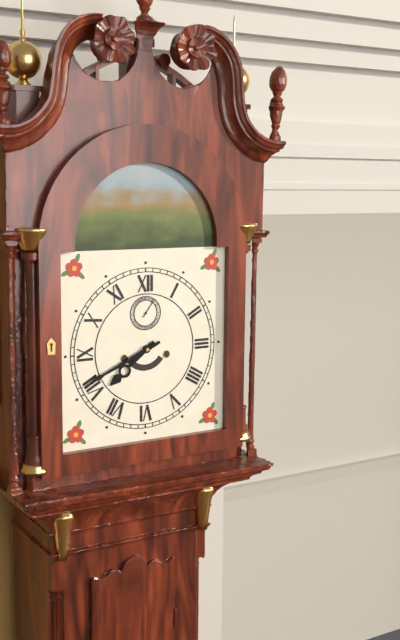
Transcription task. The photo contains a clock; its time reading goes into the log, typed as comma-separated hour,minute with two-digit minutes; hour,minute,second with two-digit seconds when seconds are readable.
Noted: 7,41
